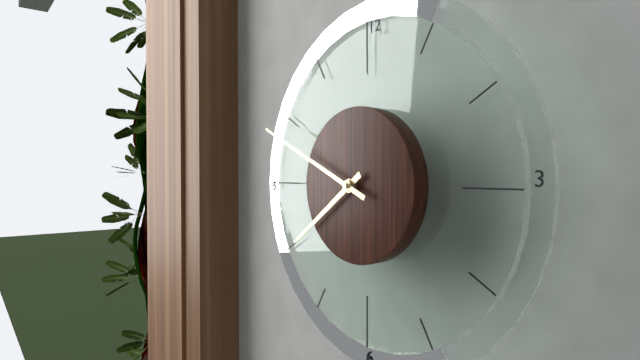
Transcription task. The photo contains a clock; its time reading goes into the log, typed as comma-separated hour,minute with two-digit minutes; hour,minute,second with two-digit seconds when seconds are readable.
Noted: 7,49
